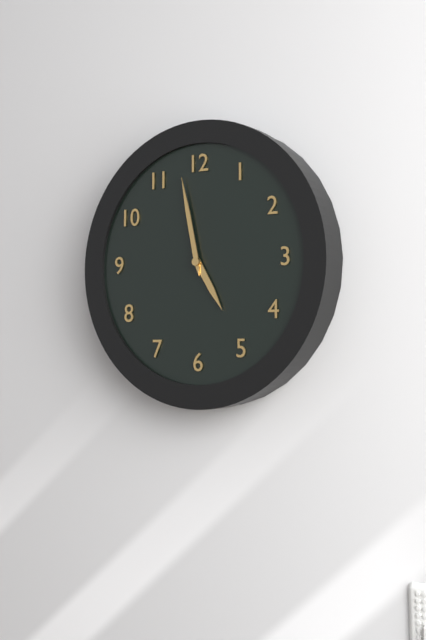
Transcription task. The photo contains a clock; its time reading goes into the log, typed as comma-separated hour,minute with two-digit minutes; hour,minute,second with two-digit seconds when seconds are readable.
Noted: 4,58
